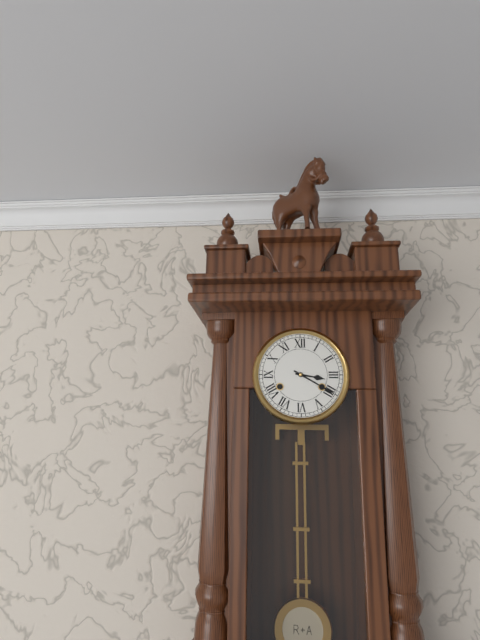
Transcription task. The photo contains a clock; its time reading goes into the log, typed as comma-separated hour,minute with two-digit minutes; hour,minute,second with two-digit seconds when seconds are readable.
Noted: 3,20
